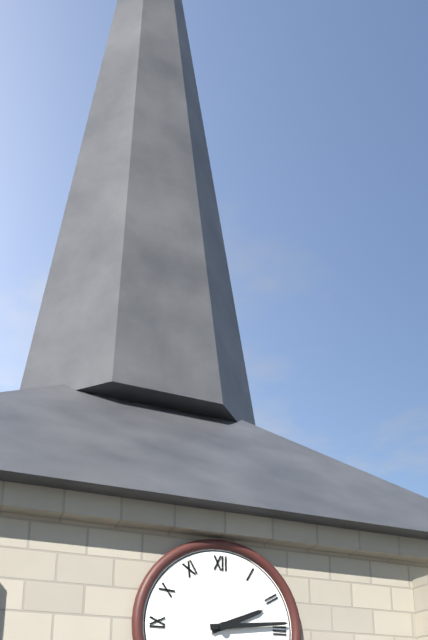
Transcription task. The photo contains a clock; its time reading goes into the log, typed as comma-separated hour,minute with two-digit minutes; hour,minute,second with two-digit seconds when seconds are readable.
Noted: 2,14
